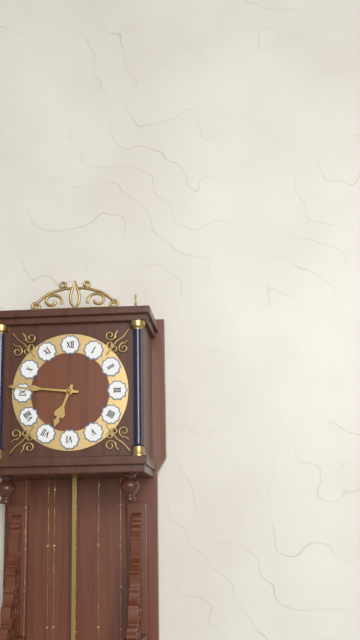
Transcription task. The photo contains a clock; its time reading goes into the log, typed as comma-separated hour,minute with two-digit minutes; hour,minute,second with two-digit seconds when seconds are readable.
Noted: 6,46
